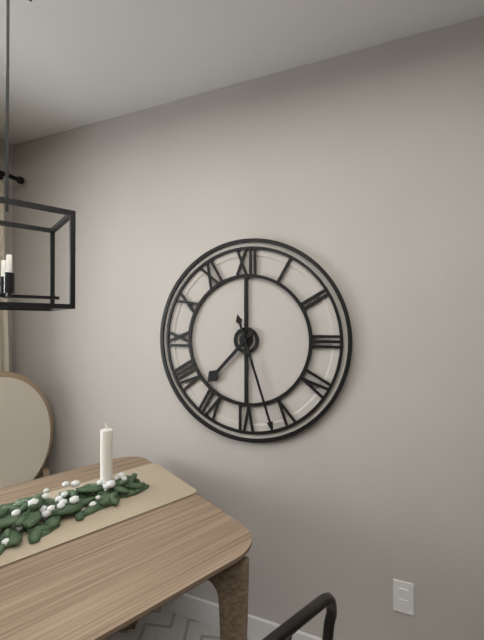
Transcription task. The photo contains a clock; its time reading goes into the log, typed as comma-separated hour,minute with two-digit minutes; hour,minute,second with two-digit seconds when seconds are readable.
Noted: 7,27
